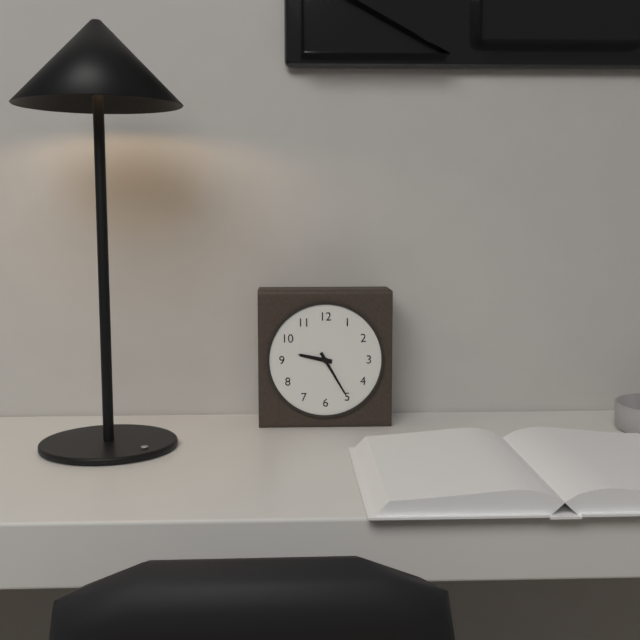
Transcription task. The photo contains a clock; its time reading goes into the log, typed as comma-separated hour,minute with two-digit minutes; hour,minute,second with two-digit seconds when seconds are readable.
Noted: 9,25
